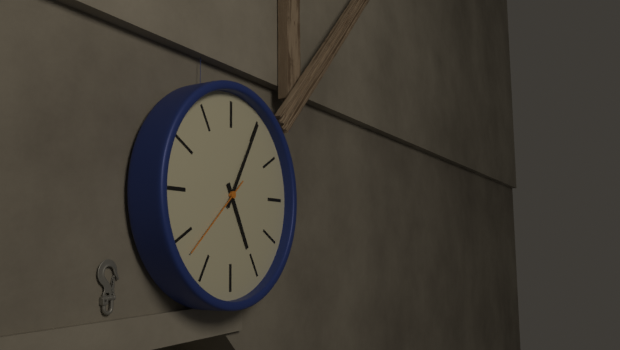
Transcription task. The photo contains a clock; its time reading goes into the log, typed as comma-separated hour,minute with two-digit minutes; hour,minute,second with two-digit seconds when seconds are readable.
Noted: 5,05,38
